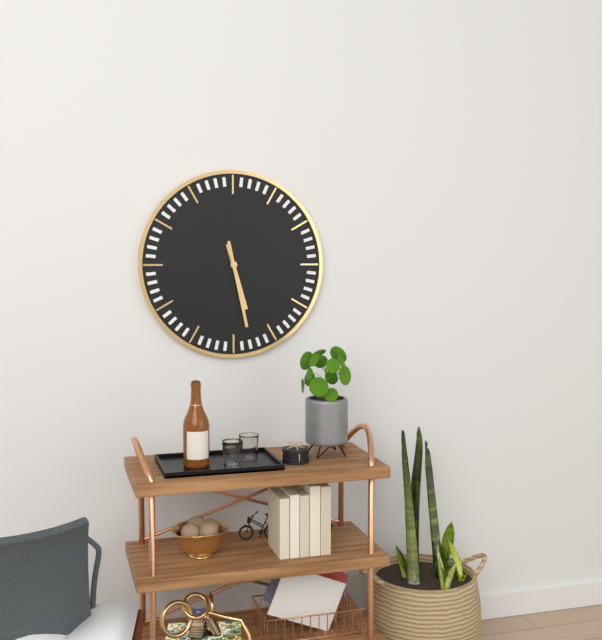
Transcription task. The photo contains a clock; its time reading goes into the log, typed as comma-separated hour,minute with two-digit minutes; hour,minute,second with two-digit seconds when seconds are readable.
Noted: 5,28
